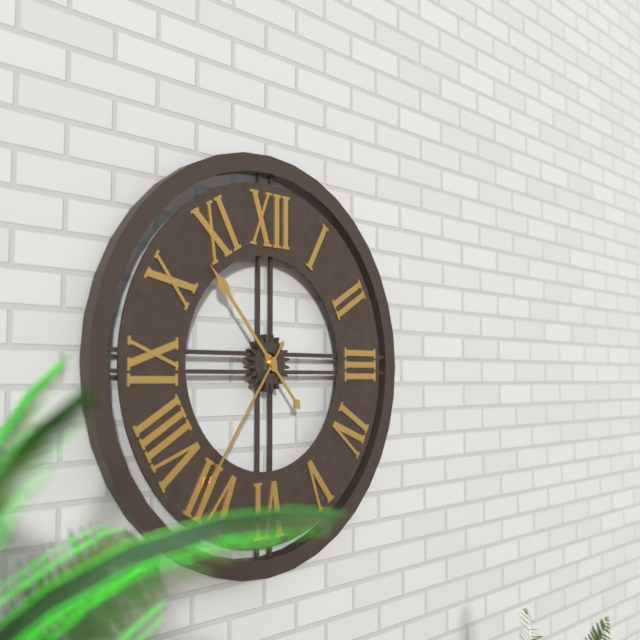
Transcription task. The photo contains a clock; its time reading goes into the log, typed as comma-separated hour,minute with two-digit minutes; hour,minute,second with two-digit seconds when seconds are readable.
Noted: 10,36
